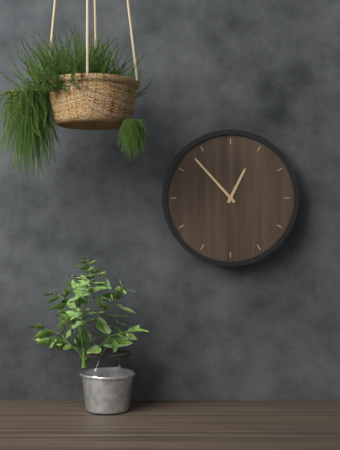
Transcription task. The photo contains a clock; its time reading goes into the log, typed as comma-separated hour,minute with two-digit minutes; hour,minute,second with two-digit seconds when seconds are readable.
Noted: 12,53
